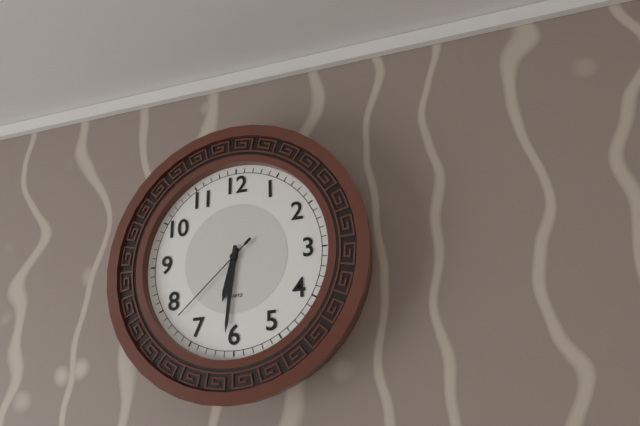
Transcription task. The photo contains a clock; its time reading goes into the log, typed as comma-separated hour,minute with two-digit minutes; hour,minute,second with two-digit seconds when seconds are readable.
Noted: 6,31,38
